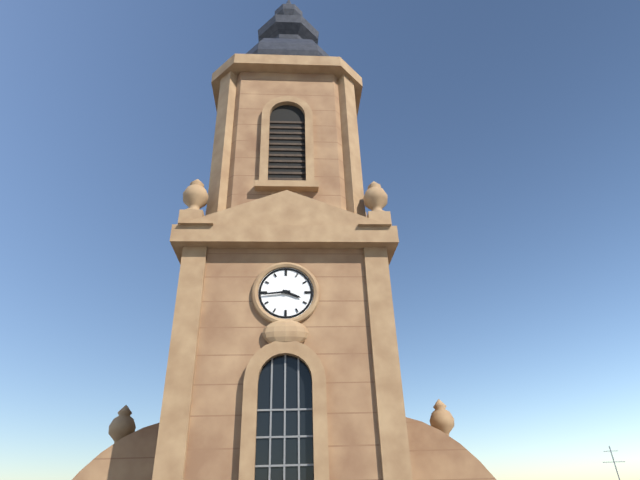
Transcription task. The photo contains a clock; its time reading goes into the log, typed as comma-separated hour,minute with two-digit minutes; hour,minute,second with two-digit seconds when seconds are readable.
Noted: 3,44
